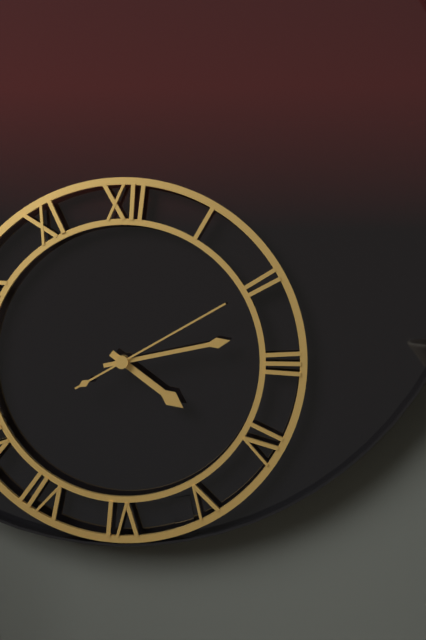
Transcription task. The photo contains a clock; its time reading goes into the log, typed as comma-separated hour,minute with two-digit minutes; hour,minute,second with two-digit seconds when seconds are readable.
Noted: 4,13,10
